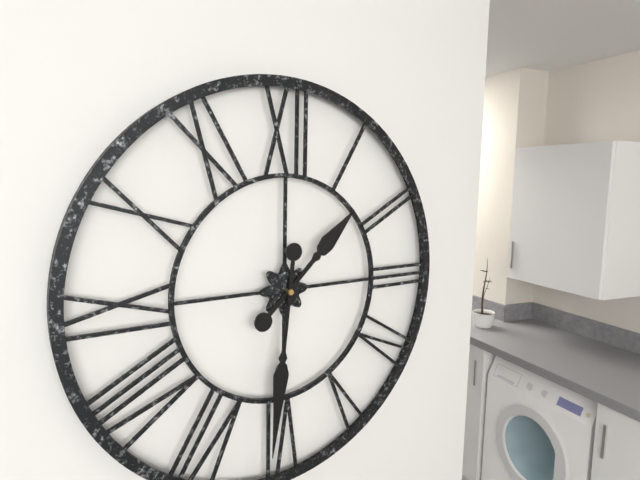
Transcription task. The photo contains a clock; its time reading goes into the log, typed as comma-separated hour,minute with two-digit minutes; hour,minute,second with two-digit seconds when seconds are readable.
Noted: 1,31
